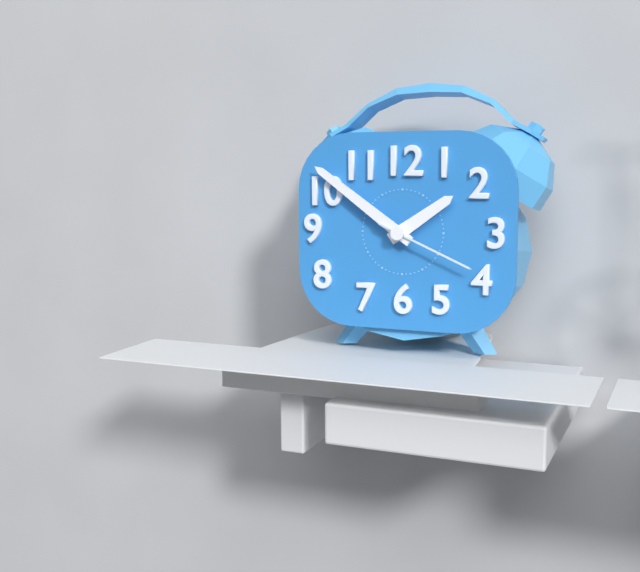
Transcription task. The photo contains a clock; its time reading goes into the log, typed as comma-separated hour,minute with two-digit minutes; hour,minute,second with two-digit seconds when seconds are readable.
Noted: 1,51,19
